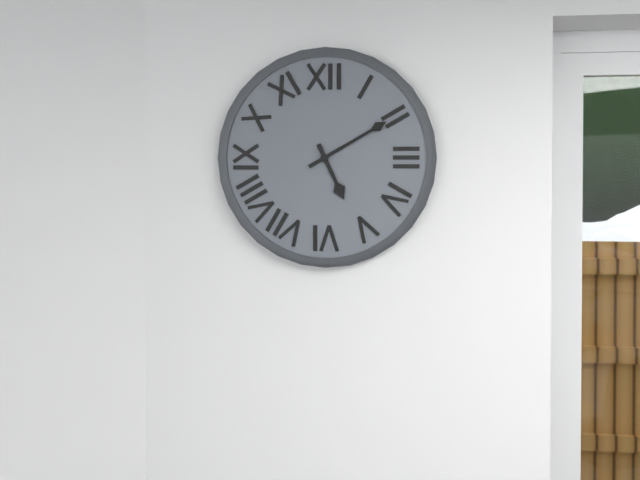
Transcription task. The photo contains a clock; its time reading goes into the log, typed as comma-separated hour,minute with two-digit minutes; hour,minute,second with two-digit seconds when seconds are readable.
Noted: 5,10
